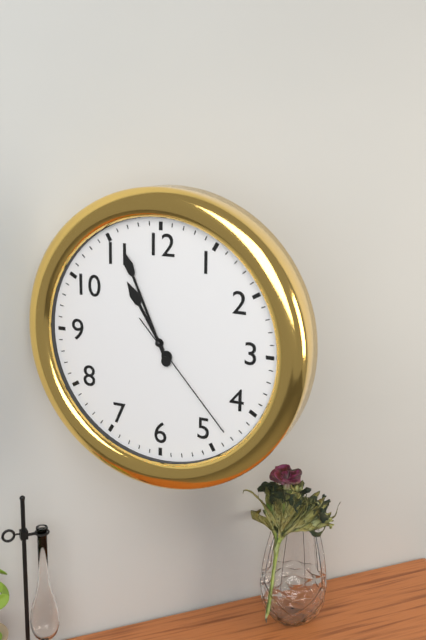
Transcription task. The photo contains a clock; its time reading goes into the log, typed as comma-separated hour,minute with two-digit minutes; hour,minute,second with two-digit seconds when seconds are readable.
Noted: 10,56,23
